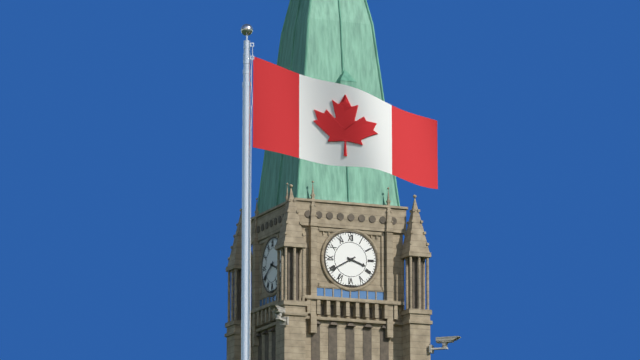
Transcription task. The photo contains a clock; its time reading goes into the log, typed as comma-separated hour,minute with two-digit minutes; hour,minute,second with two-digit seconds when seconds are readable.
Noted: 3,40
